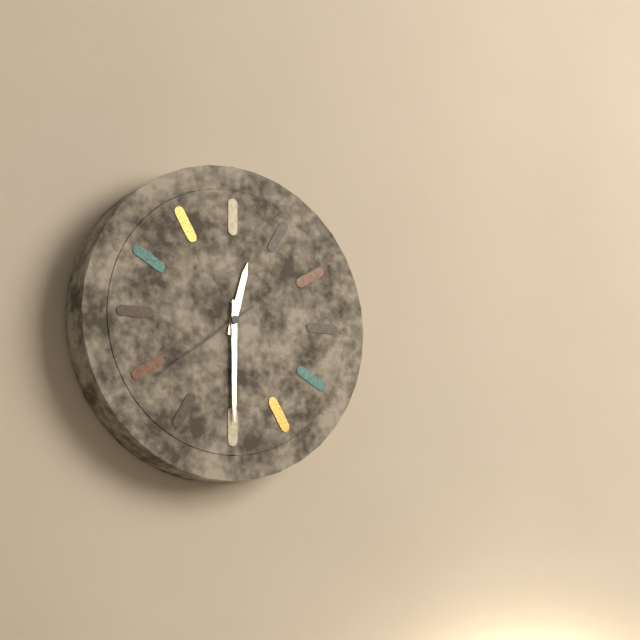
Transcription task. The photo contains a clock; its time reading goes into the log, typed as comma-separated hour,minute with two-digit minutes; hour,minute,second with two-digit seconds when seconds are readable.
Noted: 12,30,39
